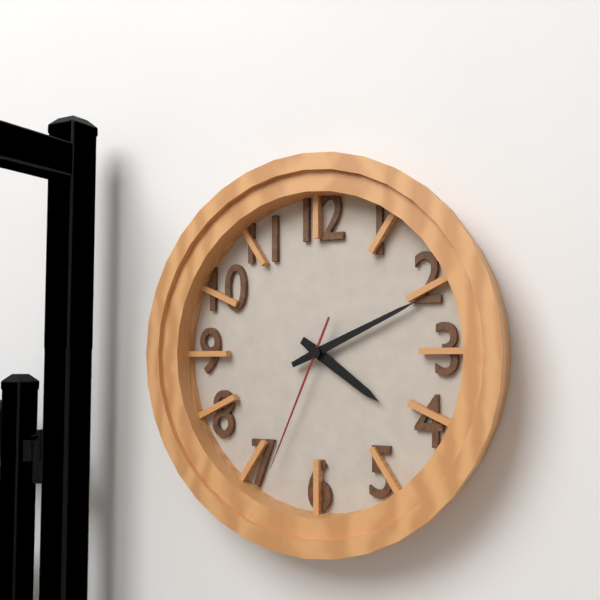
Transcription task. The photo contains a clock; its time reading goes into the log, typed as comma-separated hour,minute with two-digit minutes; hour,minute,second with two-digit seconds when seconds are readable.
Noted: 4,11,34
